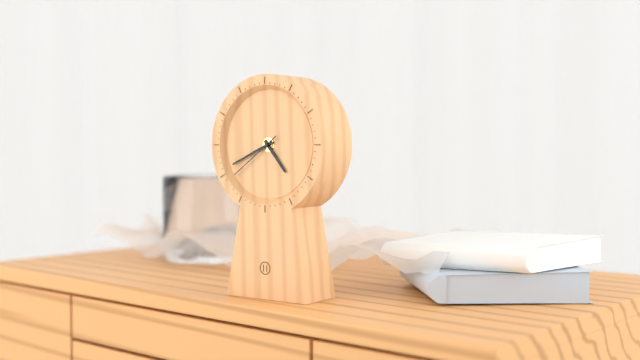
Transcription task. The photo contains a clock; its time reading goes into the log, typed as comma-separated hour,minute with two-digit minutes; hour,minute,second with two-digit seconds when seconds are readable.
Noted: 4,41,39
